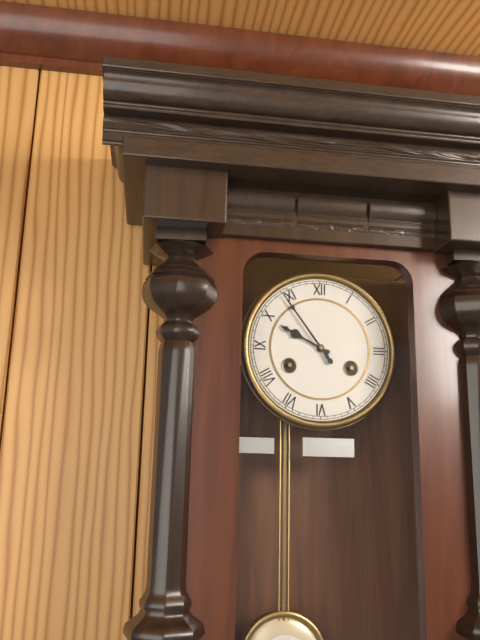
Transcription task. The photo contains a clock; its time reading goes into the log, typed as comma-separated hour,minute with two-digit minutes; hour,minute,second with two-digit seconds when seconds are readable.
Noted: 9,54
